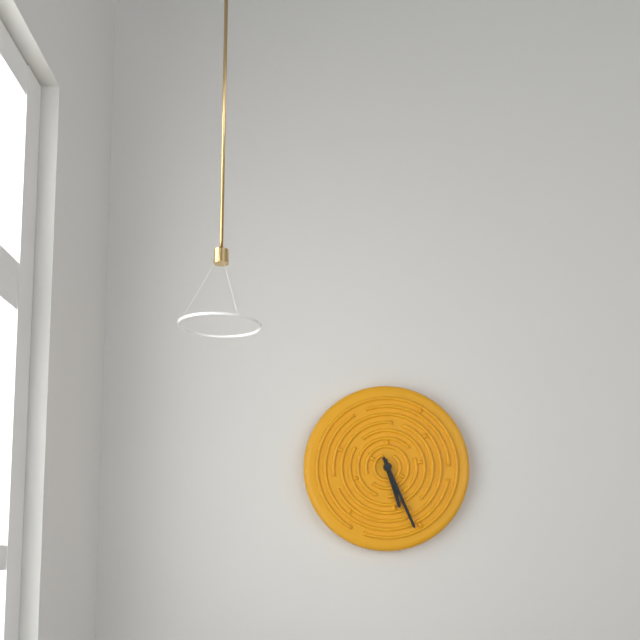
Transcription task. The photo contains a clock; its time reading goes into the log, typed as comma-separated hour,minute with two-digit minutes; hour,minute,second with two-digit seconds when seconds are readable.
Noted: 5,26
